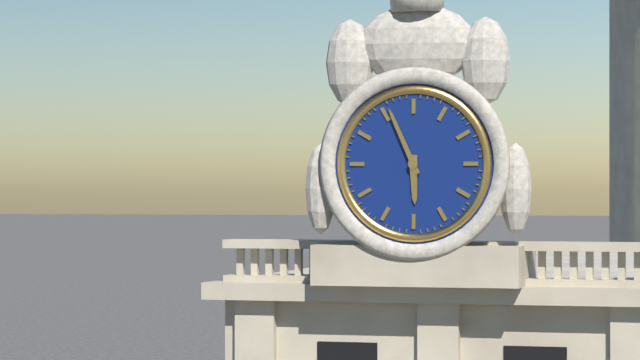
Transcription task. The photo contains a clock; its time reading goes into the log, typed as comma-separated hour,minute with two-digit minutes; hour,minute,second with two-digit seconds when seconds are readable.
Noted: 5,56
